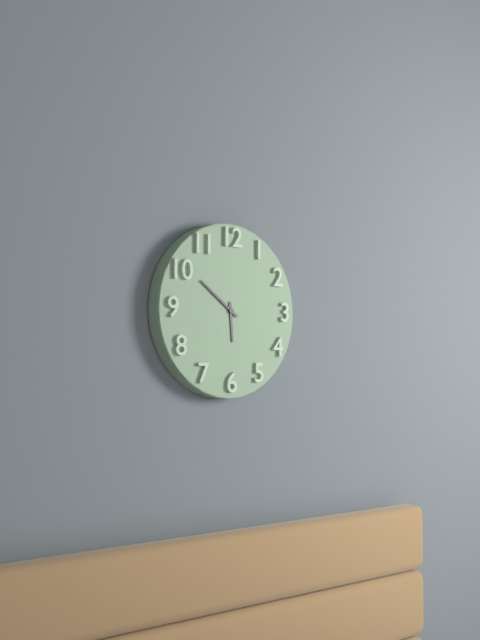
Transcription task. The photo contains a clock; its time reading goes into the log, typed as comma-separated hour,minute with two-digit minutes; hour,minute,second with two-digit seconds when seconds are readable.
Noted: 5,51
